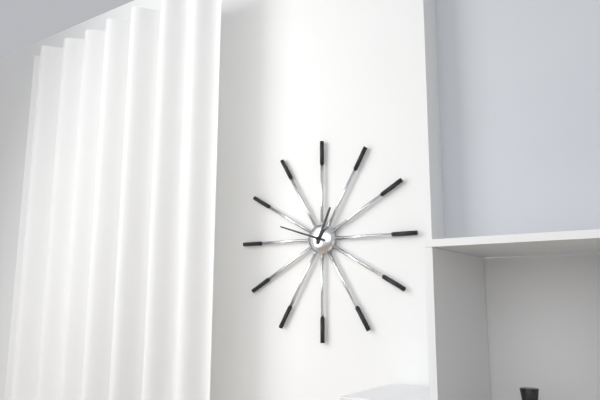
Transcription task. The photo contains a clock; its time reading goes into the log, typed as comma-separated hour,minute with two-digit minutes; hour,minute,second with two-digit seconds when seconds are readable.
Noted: 12,48
